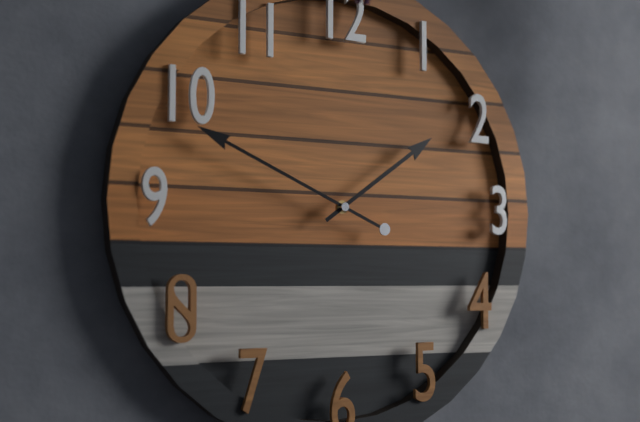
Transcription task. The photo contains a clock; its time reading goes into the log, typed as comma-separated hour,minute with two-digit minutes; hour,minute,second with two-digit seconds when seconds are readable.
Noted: 1,49
